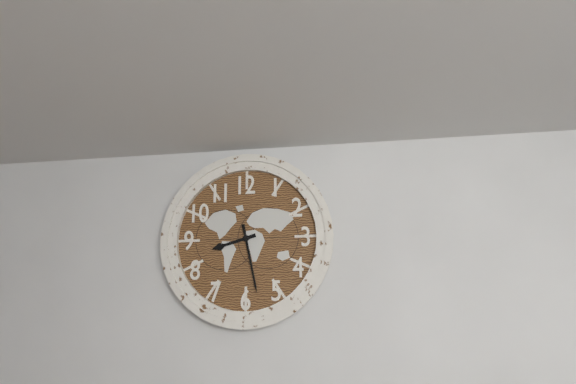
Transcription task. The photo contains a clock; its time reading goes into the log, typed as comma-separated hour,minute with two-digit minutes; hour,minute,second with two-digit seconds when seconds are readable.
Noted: 8,28
